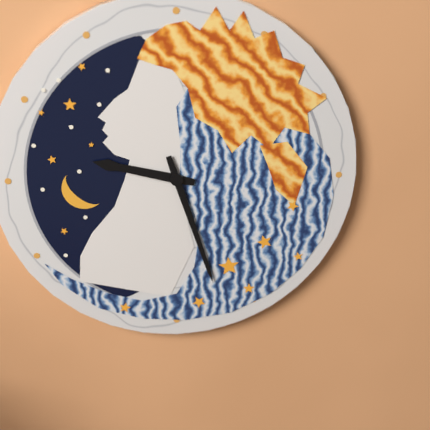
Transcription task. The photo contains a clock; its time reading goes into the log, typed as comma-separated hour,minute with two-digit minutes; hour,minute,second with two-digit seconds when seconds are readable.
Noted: 9,27
